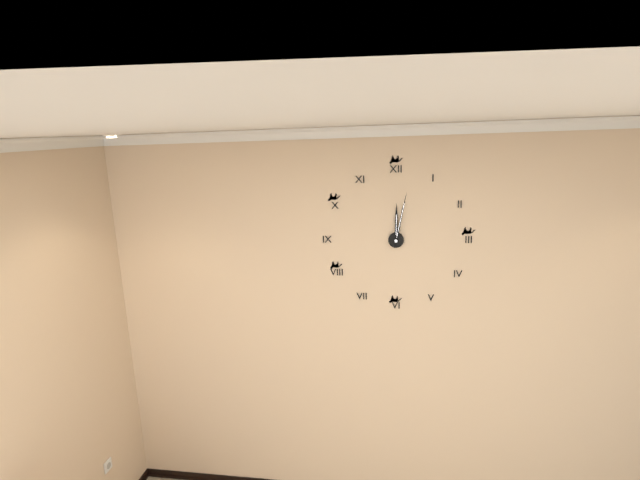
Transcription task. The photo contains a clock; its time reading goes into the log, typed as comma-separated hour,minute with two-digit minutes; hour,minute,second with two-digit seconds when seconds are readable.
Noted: 12,02
